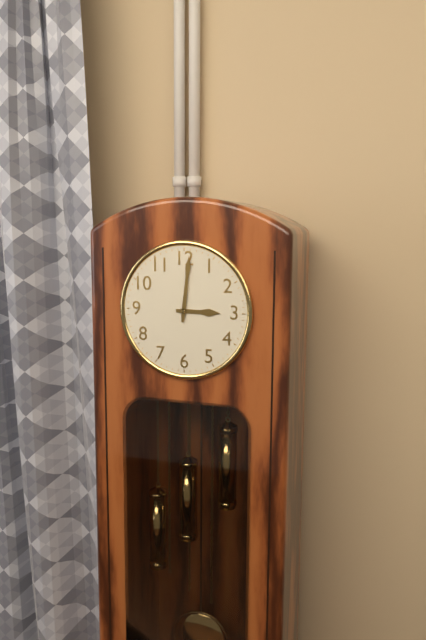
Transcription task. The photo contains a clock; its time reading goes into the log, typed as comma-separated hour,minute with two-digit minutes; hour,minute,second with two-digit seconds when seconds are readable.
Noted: 3,01
